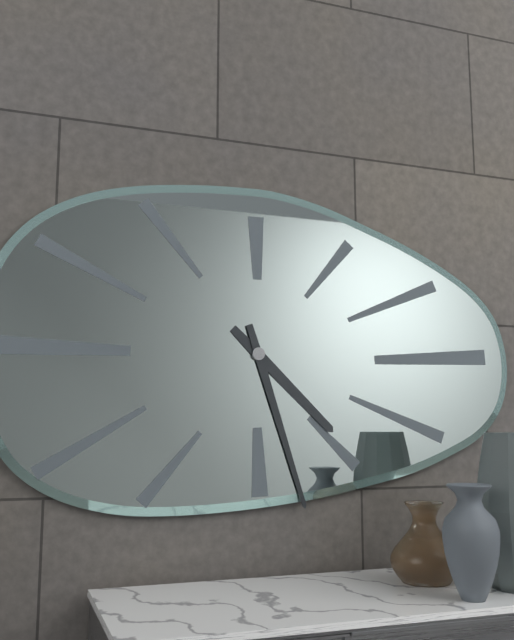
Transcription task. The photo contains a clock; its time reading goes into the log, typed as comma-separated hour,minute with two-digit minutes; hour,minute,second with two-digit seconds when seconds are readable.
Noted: 4,27
